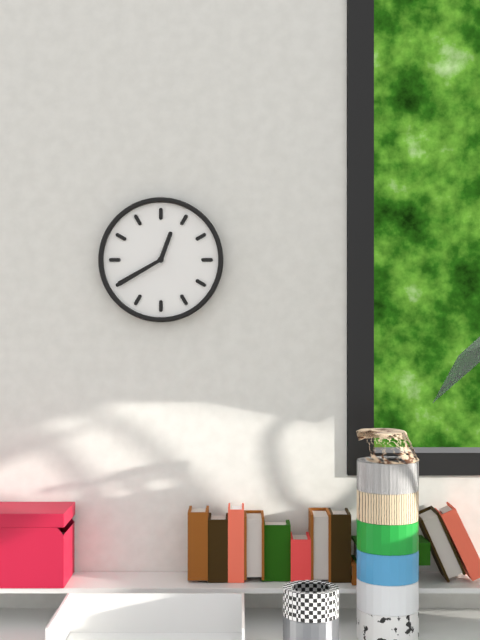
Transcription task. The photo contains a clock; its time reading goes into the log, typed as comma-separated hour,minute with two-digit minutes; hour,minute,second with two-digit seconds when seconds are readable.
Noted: 12,40
